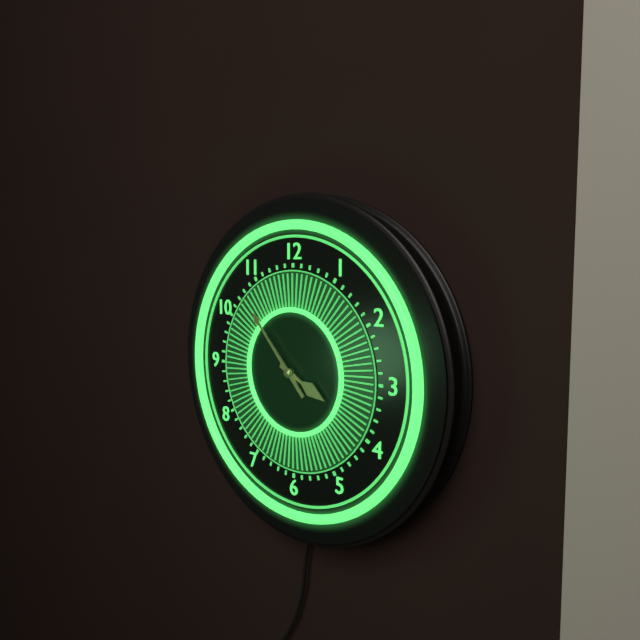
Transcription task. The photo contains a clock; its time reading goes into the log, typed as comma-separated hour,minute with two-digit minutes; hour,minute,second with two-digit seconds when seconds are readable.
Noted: 3,53
